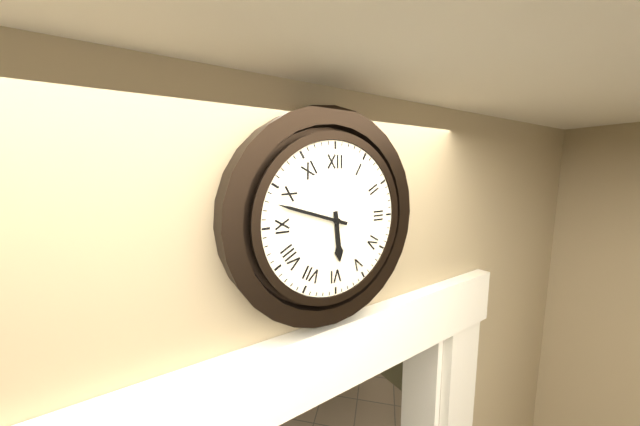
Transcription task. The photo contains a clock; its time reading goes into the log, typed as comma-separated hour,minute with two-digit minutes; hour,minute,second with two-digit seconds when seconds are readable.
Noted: 5,48
